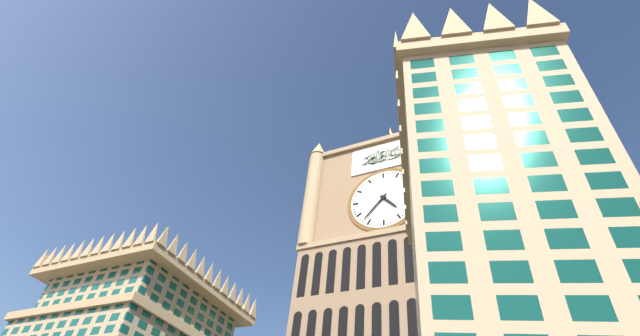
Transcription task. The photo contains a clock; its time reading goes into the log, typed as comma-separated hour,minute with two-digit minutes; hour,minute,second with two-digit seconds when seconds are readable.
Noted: 4,37
